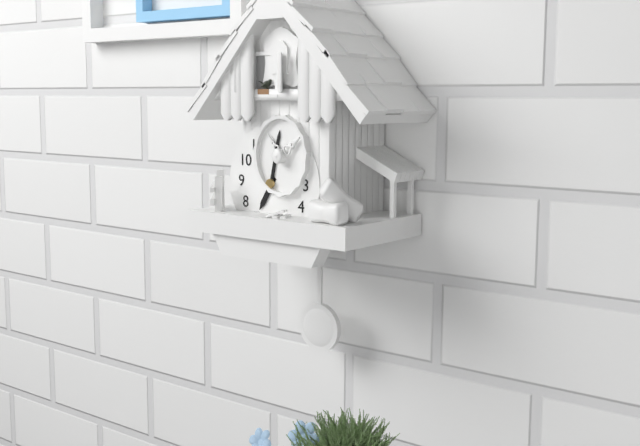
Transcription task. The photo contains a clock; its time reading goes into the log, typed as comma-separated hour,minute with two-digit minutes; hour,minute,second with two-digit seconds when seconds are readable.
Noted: 7,02
